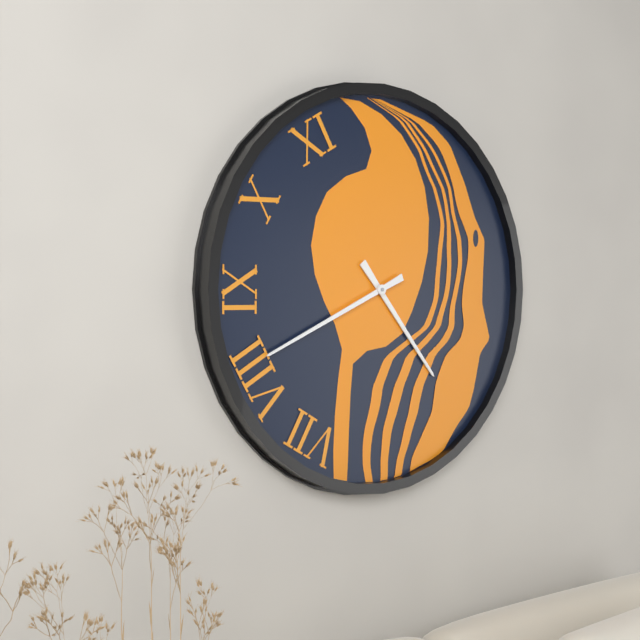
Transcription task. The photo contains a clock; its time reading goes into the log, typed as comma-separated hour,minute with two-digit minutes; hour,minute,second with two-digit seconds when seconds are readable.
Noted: 4,41
